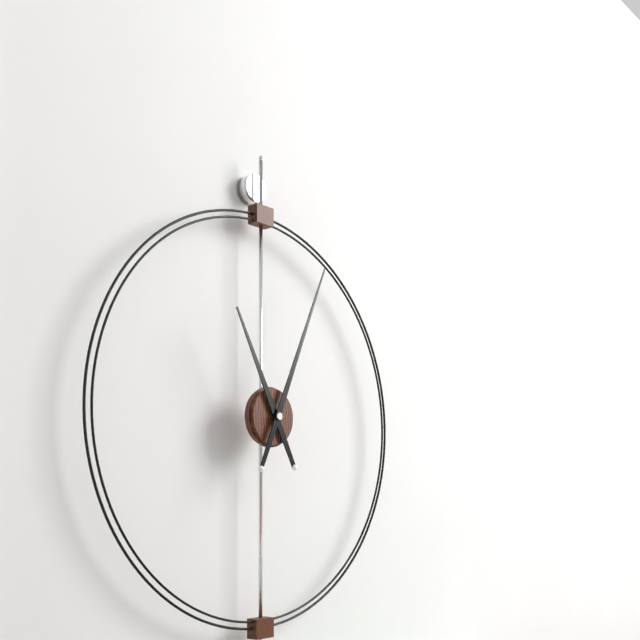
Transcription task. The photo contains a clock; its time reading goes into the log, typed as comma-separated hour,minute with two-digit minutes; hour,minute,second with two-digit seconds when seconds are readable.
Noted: 11,04
